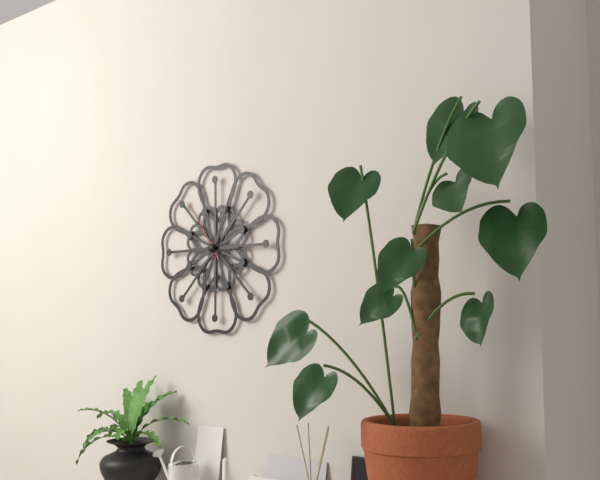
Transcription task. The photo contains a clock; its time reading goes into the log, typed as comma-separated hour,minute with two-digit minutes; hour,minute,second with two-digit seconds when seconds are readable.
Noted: 3,04,54
